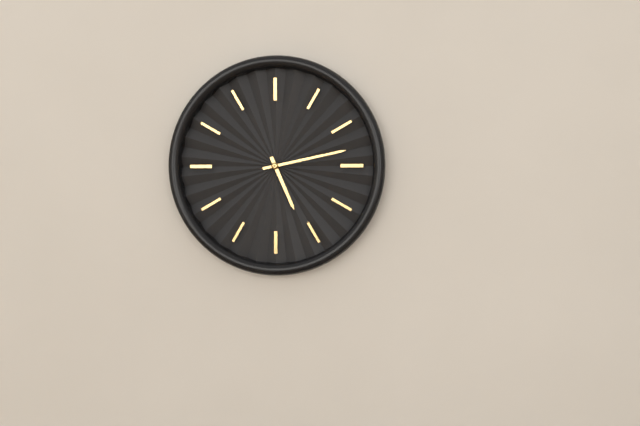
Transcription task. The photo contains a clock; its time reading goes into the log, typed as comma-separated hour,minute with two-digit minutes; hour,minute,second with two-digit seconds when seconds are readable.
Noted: 5,13
